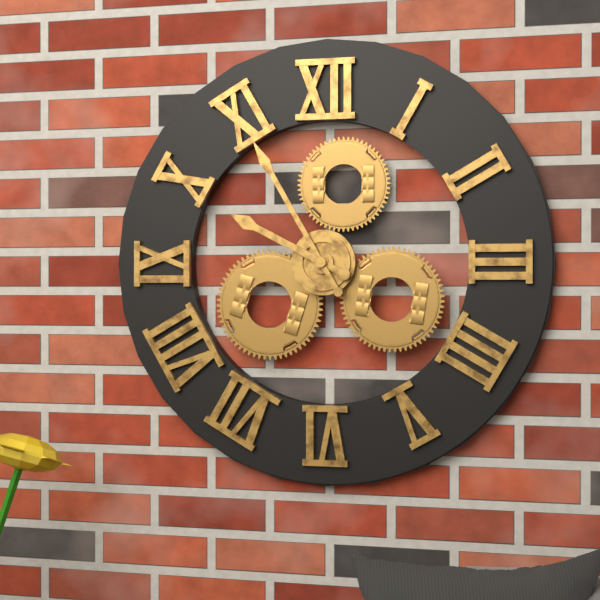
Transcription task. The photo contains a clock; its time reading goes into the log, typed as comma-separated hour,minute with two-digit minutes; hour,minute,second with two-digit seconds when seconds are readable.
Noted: 9,55
